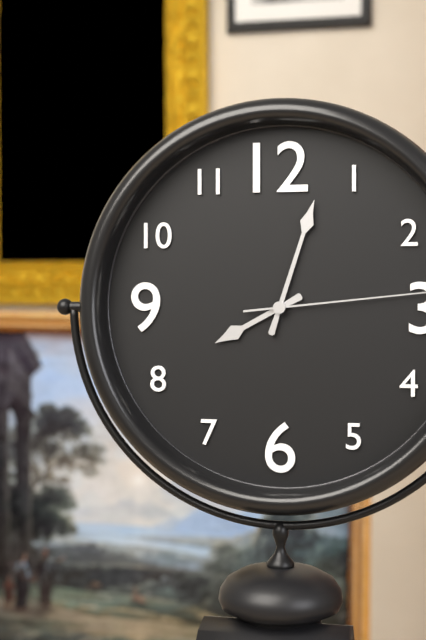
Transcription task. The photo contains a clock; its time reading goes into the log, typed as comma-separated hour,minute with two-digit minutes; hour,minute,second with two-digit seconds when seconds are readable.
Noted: 8,03
